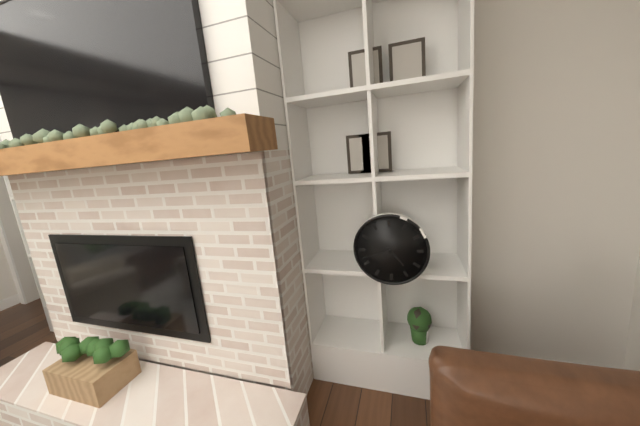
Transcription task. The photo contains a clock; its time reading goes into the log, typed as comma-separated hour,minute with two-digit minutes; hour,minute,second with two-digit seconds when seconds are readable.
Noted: 4,42
